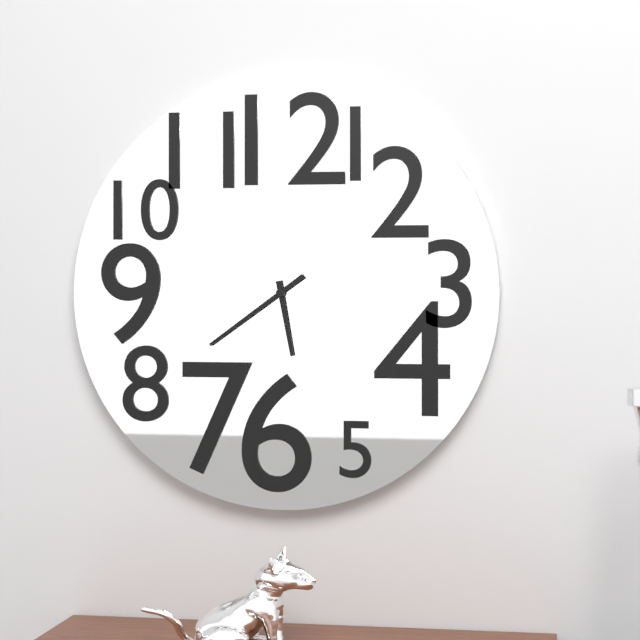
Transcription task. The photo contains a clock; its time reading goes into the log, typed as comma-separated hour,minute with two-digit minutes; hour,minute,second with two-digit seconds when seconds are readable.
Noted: 5,39
